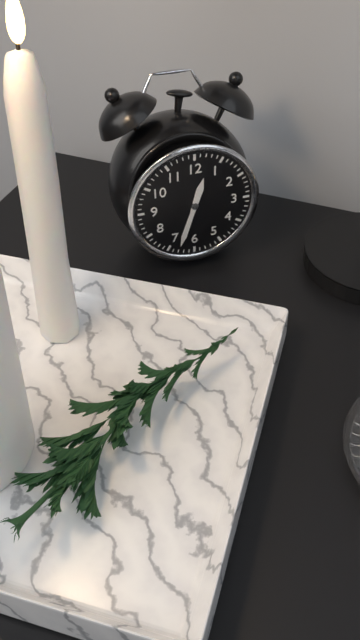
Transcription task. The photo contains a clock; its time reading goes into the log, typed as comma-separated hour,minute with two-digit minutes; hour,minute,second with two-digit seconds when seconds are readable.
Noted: 12,33
